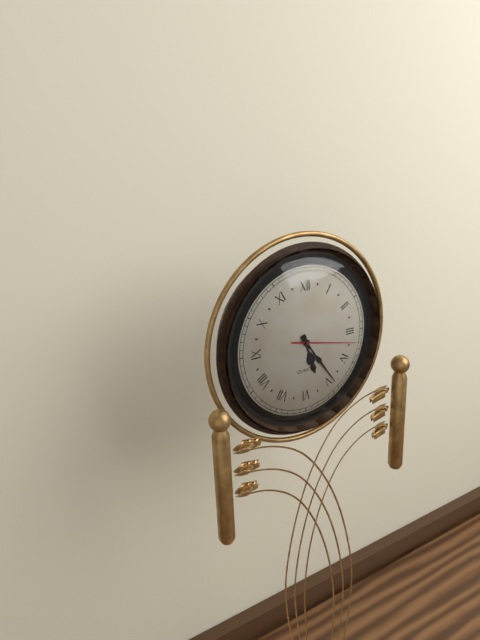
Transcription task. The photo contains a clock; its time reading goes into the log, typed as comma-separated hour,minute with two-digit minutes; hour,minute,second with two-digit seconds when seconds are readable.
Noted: 5,24,17
